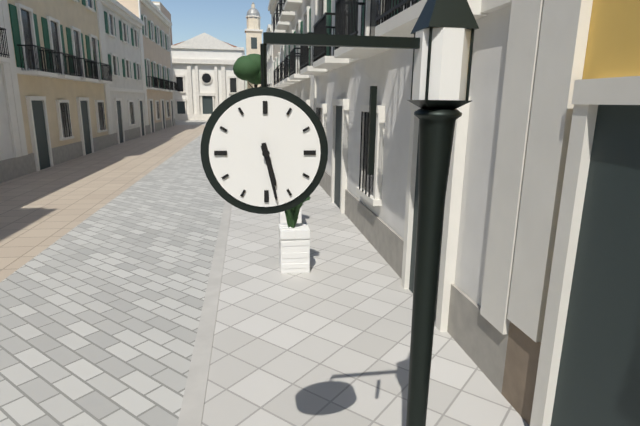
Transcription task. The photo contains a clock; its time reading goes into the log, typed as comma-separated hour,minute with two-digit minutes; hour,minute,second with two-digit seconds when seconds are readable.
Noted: 5,28
